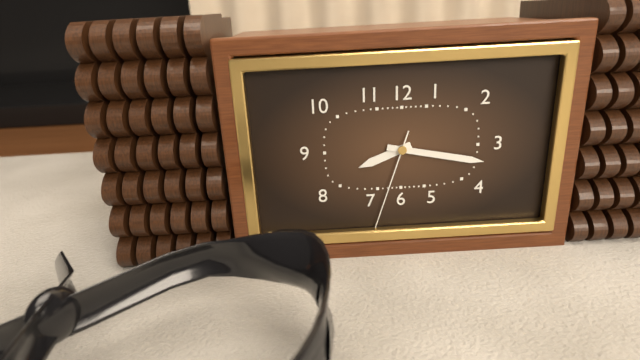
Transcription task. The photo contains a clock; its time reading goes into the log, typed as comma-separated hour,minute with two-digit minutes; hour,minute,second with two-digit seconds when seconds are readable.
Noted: 8,17,33
